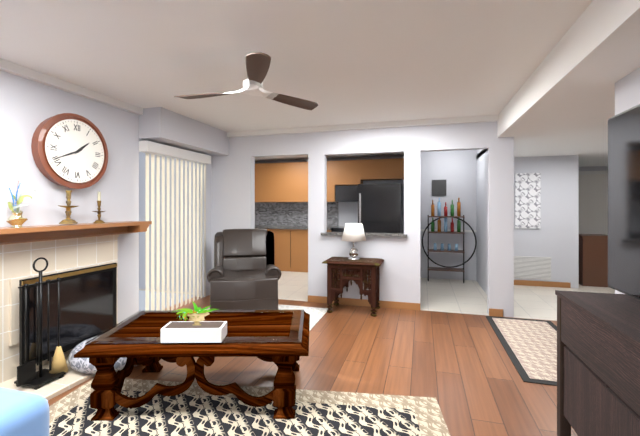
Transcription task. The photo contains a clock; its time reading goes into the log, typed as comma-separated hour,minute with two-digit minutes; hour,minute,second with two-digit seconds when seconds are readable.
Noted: 1,41
